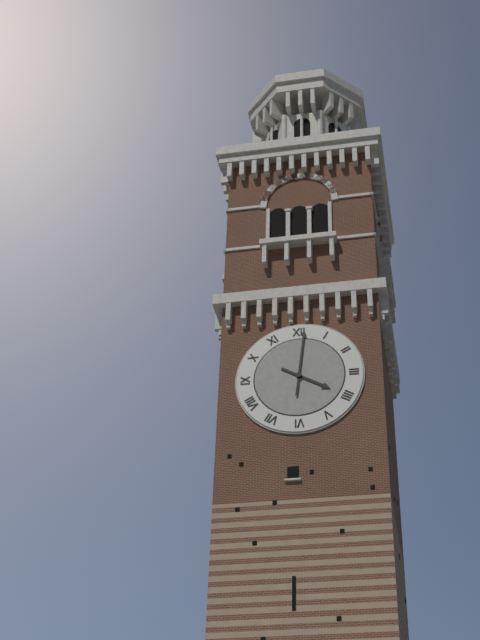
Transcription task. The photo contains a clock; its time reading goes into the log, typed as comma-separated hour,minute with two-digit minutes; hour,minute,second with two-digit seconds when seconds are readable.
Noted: 4,01
